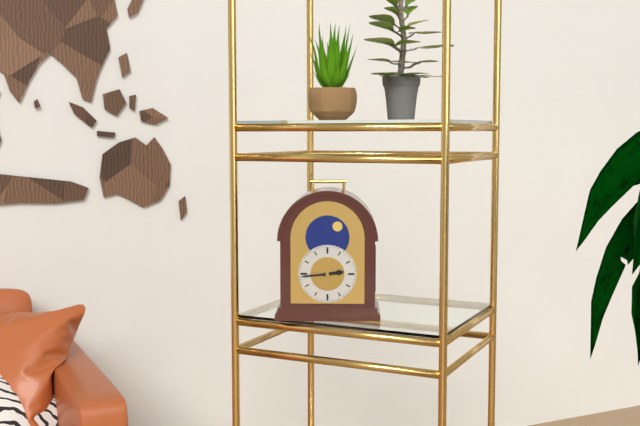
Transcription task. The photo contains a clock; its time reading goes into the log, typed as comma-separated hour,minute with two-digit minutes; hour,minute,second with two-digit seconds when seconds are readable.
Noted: 2,44
